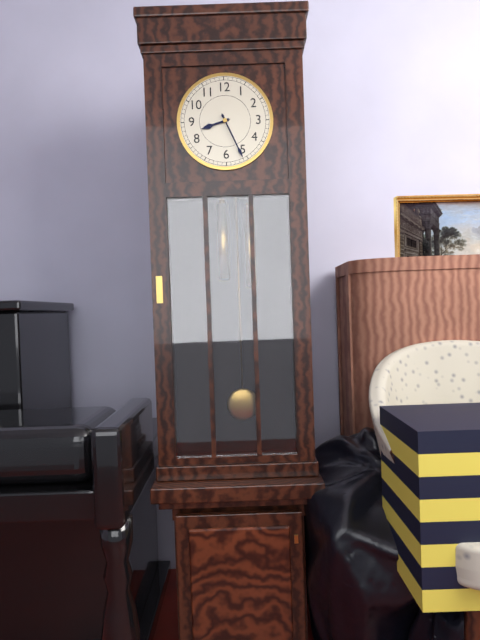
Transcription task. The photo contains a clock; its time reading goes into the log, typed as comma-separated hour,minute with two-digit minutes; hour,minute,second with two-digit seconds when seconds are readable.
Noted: 8,26
